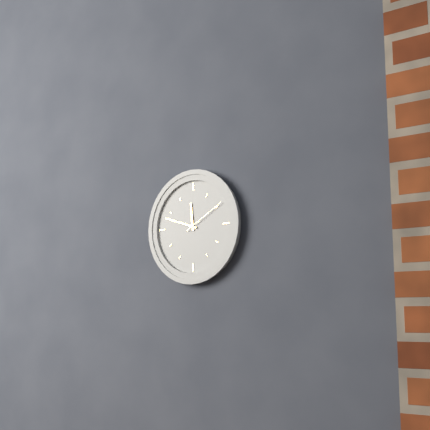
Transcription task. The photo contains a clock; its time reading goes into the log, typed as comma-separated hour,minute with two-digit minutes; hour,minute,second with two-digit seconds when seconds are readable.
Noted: 11,48
